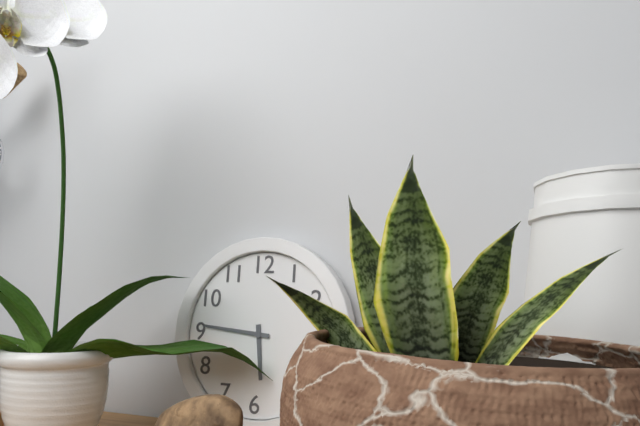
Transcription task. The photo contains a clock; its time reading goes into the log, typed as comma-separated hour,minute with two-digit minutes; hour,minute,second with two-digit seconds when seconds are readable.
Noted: 5,46
